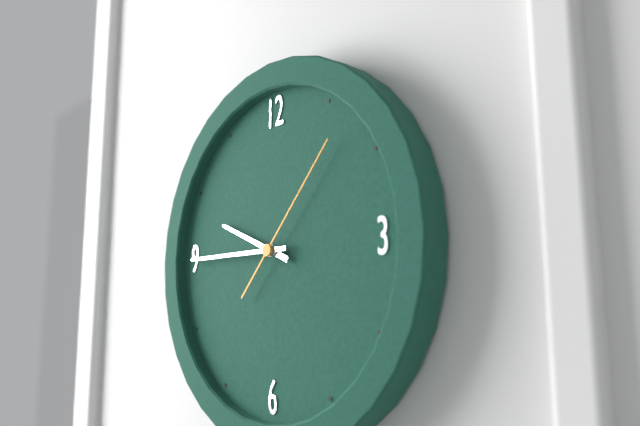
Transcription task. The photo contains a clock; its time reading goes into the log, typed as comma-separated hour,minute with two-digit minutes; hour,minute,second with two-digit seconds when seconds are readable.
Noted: 9,45,07
